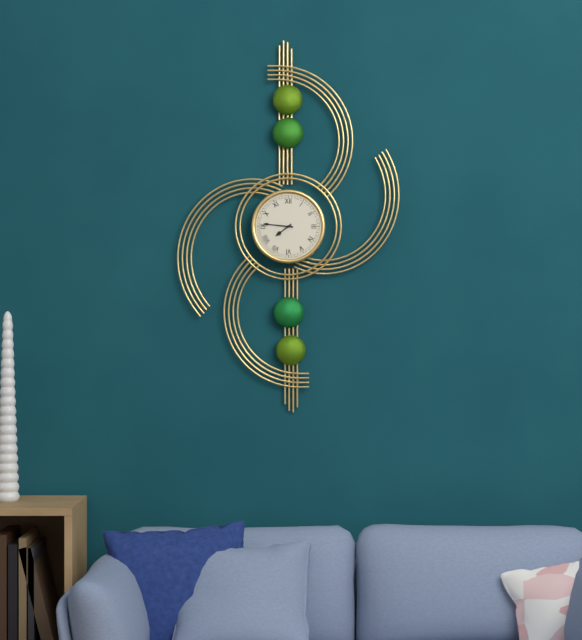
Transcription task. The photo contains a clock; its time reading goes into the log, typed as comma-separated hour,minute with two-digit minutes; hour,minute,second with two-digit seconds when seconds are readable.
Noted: 7,46
